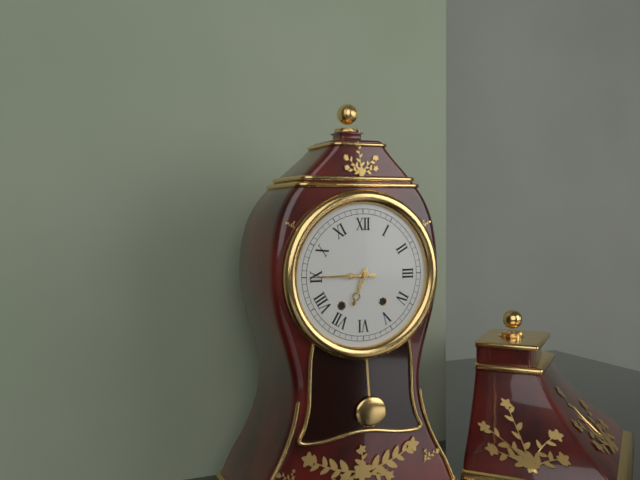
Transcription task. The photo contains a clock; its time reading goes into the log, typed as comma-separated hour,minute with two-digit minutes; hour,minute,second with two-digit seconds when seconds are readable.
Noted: 6,45
